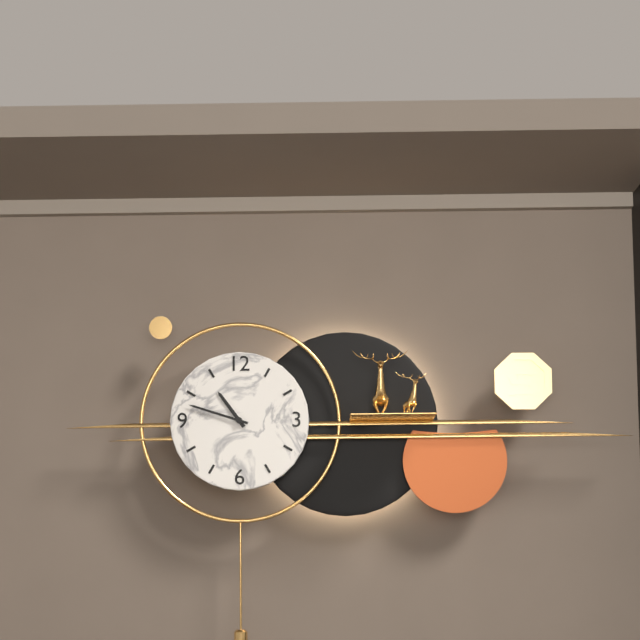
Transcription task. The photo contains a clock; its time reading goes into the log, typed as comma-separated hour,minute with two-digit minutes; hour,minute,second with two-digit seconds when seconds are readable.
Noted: 10,48
